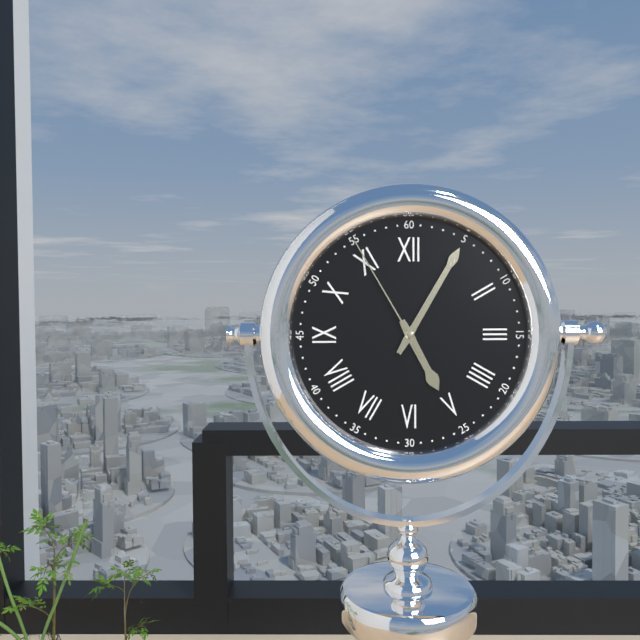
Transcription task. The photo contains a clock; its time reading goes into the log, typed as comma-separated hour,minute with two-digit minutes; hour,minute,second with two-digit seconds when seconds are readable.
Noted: 5,05,55
